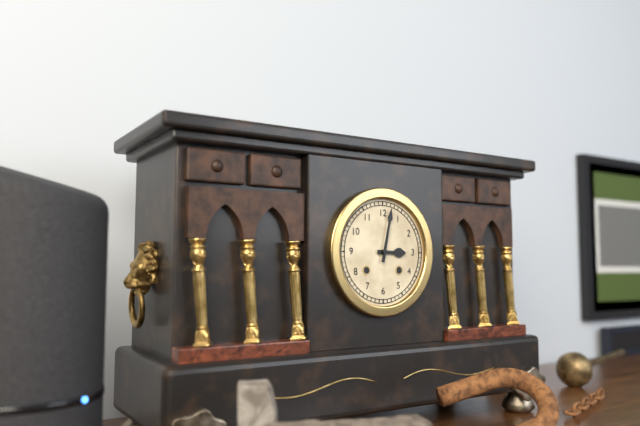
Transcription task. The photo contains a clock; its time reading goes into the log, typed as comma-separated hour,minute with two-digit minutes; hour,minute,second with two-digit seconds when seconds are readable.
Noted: 3,02
